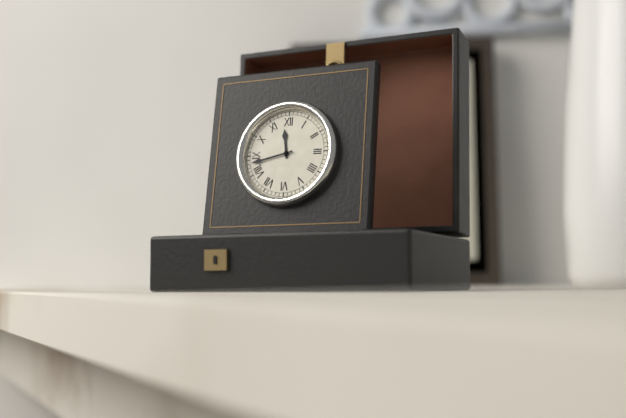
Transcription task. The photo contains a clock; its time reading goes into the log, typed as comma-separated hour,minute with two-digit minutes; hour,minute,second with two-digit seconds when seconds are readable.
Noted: 11,43
